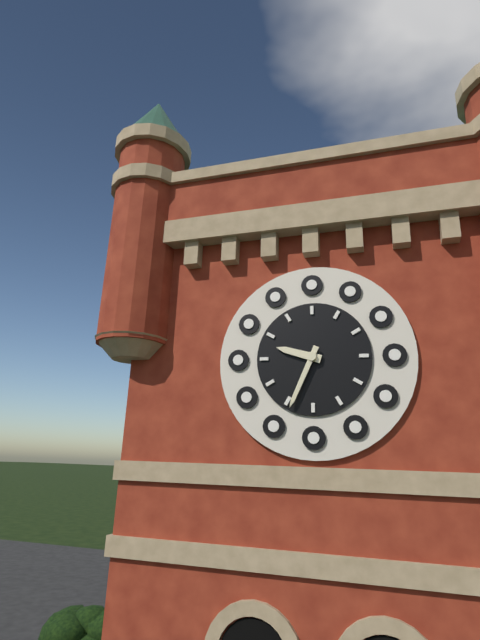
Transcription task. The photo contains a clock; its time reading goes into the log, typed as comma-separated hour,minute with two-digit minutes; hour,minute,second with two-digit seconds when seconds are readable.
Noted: 9,34
